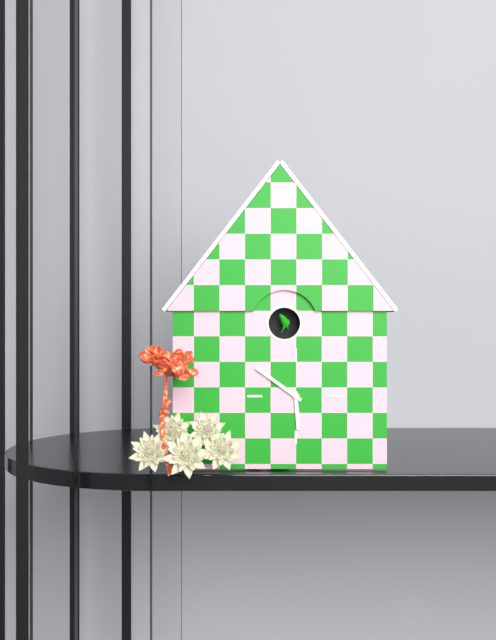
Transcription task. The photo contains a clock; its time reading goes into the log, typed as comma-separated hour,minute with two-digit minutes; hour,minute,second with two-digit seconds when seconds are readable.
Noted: 5,51
